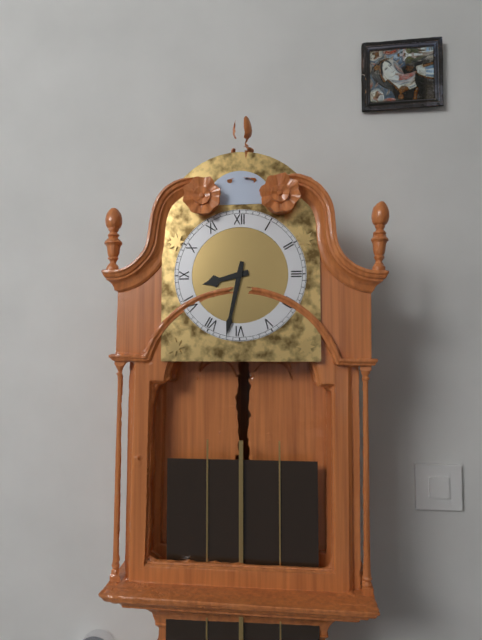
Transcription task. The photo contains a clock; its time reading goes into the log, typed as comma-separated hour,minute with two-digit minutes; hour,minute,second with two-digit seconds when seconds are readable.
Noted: 8,32
